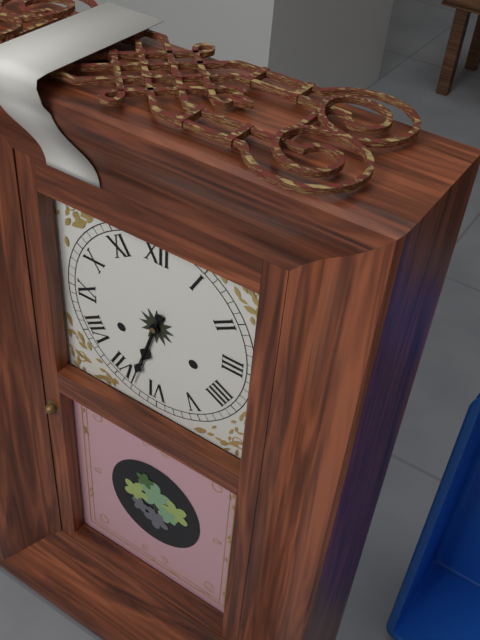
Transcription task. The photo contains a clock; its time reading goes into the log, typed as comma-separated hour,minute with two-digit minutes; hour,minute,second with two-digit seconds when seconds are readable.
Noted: 6,33
